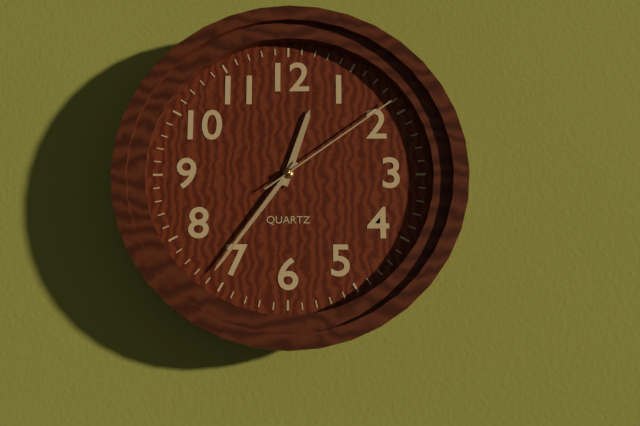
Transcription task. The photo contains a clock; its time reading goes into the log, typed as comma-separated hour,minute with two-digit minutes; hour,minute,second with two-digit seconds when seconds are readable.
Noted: 12,36,09
